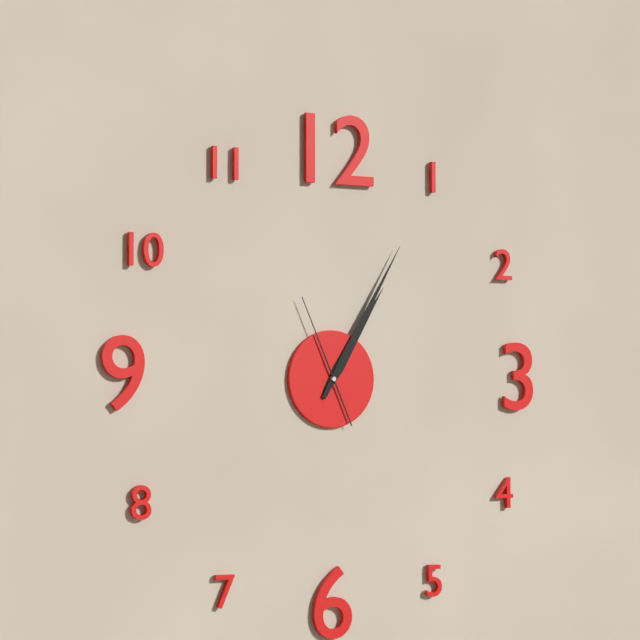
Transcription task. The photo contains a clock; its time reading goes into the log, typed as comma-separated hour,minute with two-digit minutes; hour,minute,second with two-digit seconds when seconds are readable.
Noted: 1,05,56
